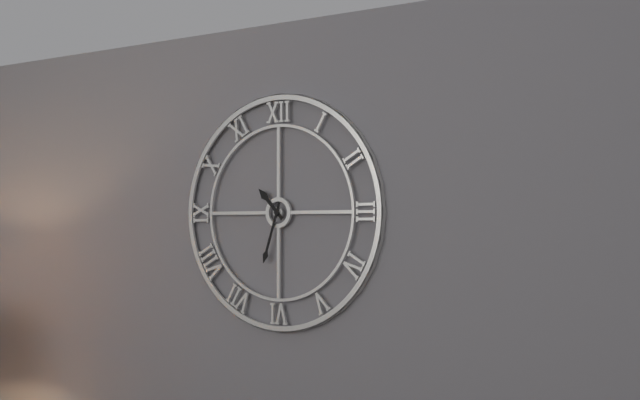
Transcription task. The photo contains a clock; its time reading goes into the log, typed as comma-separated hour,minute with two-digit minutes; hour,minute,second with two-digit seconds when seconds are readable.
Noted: 10,33
